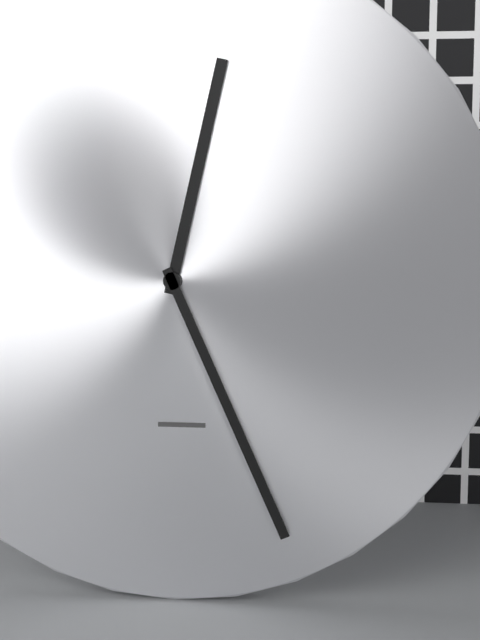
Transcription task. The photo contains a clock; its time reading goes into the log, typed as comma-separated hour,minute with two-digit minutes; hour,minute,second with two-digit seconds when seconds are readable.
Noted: 12,26
